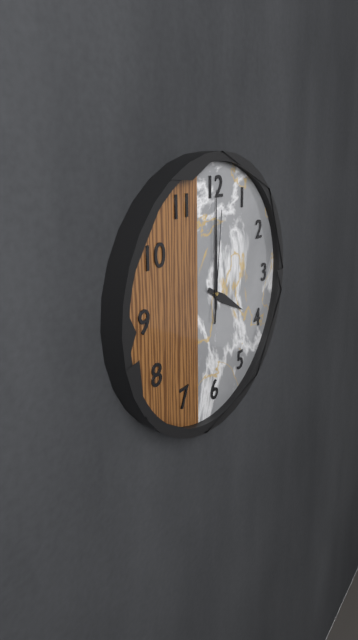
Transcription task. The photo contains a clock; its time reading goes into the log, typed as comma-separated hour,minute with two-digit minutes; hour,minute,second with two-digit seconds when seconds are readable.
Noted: 4,00,01
